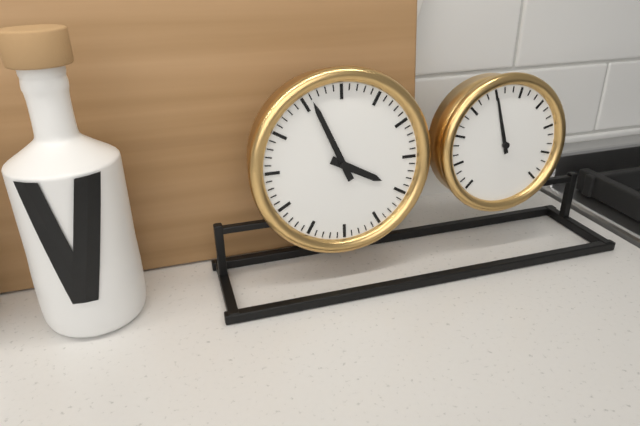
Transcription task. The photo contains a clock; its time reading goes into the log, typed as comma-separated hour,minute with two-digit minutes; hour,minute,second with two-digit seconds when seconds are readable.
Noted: 3,56
